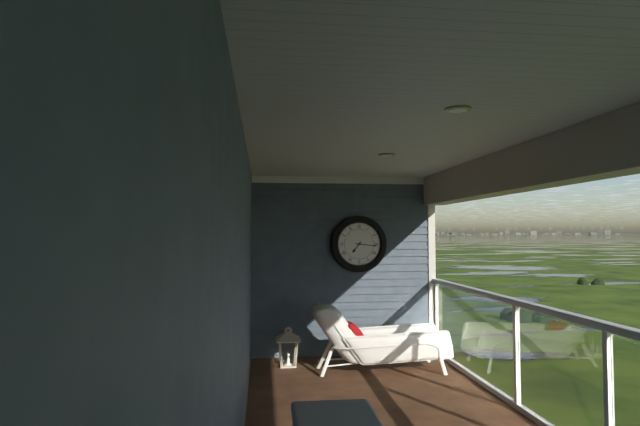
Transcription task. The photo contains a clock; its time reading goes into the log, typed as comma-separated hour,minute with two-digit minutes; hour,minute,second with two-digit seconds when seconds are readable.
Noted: 7,16
